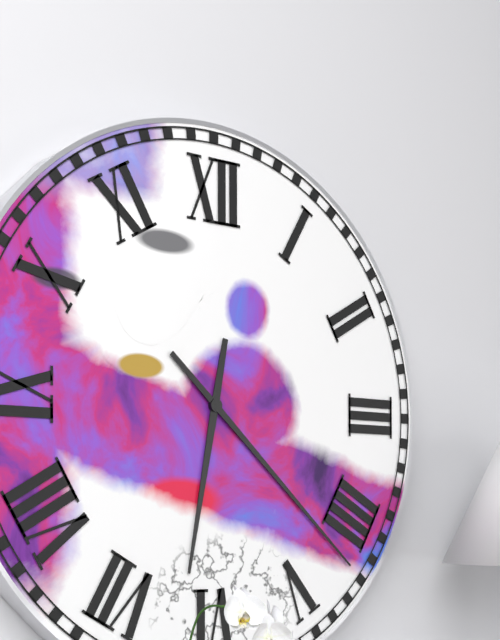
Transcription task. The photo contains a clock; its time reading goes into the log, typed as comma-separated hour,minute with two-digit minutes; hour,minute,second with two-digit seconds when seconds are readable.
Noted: 6,22
